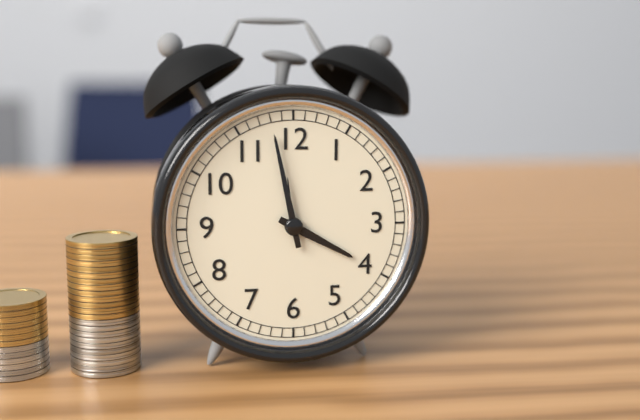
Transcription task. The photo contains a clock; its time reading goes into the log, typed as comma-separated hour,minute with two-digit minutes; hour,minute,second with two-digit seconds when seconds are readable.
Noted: 3,58
